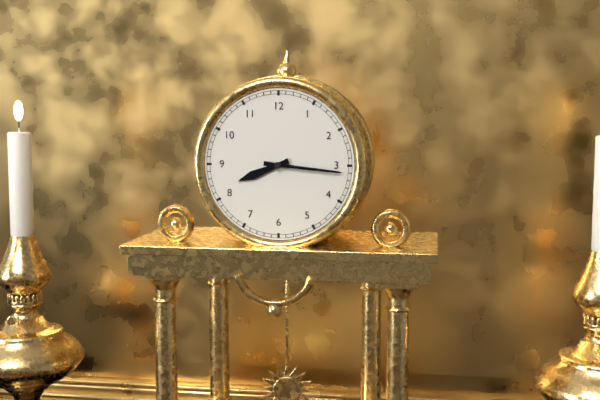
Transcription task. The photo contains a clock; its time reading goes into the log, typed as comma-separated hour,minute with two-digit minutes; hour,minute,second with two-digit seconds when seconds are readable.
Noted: 8,16
